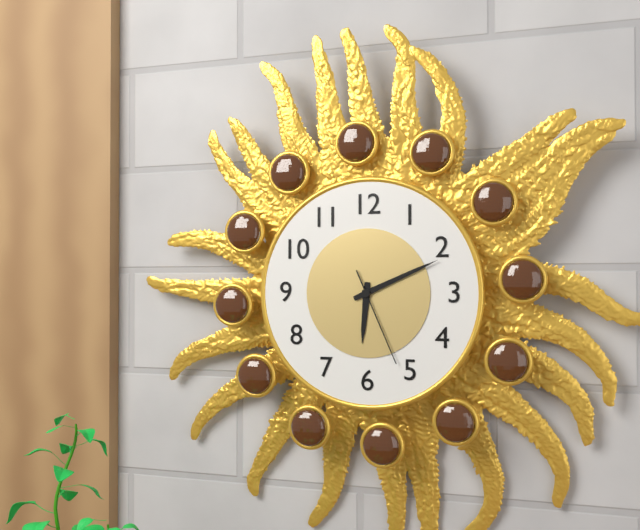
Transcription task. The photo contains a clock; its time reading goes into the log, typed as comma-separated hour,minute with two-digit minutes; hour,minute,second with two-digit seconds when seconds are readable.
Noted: 6,11,26
